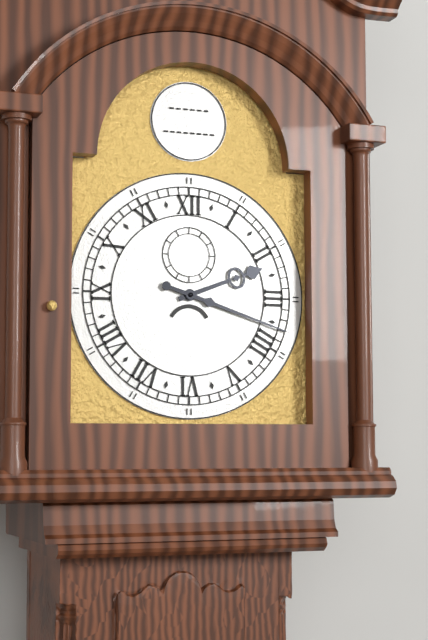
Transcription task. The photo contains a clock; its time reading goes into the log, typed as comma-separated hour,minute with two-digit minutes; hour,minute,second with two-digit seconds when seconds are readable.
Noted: 2,18
